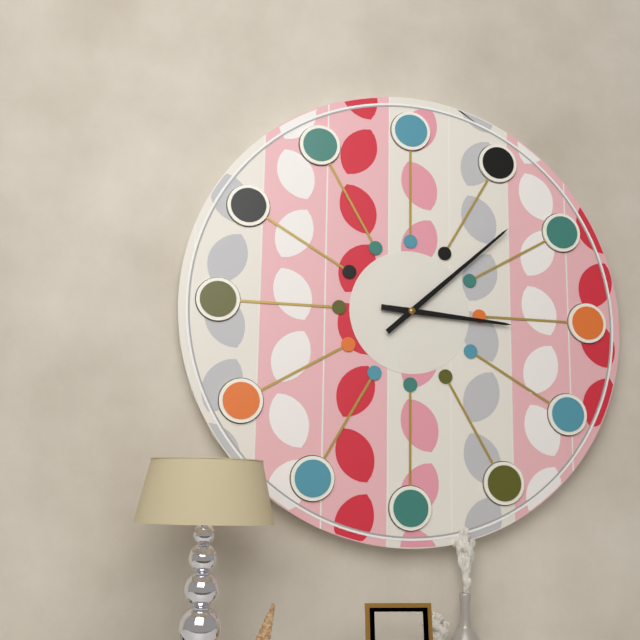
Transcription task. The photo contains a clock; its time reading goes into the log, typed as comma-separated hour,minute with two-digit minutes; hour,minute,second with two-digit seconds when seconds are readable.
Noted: 3,08
